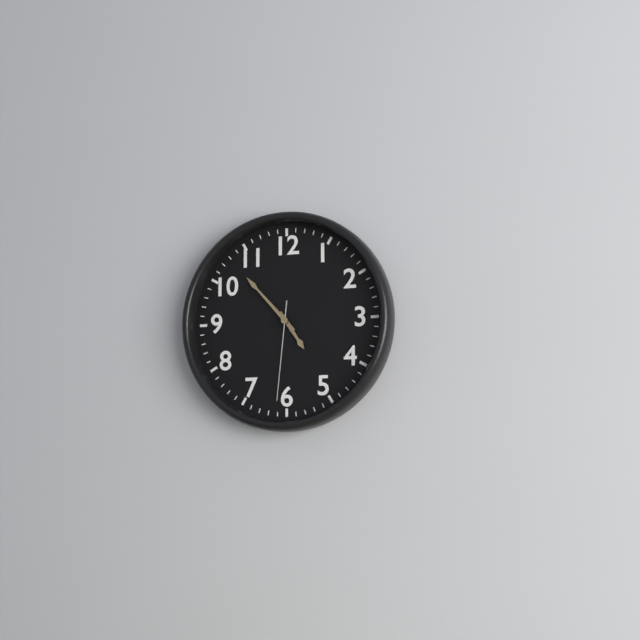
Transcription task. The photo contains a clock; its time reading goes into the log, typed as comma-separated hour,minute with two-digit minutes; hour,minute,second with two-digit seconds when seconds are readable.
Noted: 4,53,31
